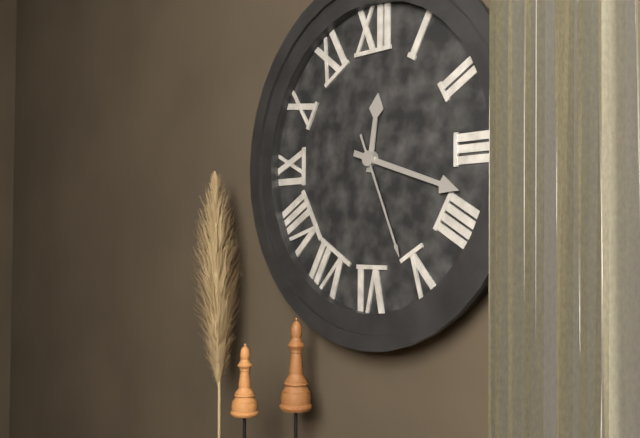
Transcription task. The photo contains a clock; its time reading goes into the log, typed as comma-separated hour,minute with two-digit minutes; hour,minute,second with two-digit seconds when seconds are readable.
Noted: 12,18,26
